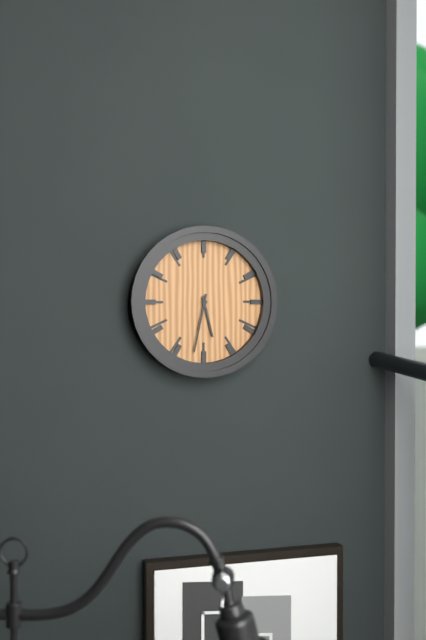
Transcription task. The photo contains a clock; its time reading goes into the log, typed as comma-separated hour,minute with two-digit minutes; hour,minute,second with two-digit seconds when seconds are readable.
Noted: 5,32
